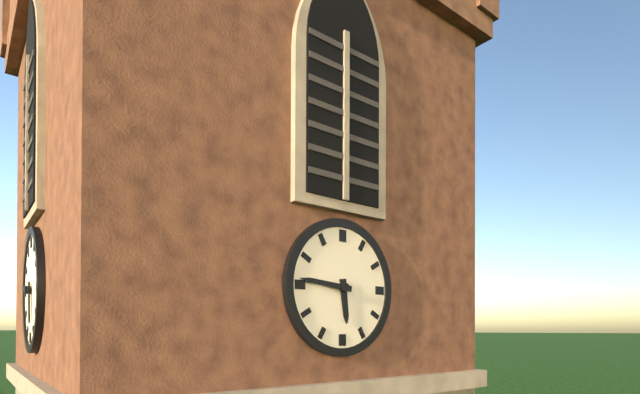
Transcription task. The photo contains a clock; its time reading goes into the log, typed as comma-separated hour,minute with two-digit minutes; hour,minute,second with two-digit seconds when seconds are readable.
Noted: 5,46
